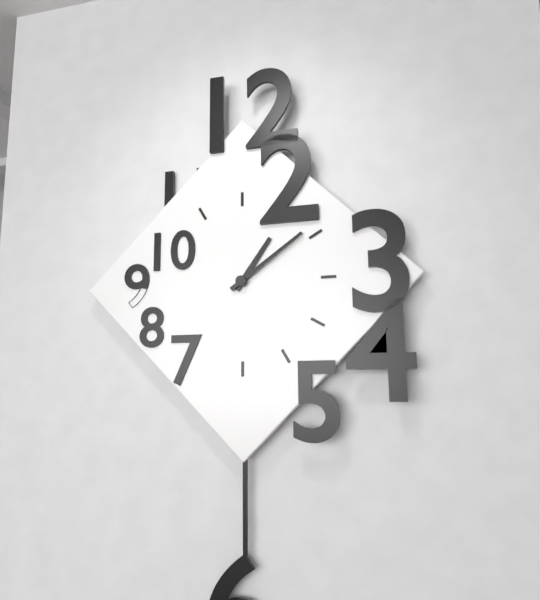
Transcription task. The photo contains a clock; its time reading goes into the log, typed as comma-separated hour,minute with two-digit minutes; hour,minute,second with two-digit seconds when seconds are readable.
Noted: 1,09
